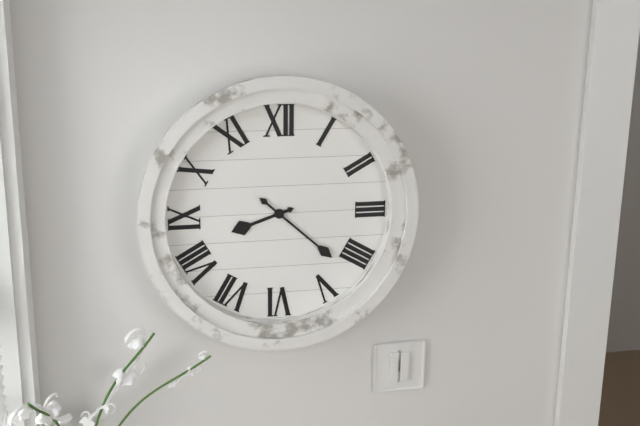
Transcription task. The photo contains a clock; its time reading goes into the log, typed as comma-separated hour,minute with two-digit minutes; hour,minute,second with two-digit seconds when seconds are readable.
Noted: 8,22
